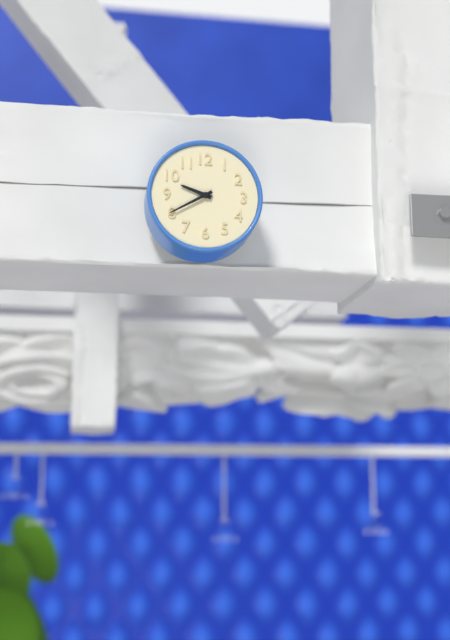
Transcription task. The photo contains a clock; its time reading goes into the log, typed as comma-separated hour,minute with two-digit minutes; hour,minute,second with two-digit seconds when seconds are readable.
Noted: 9,40
